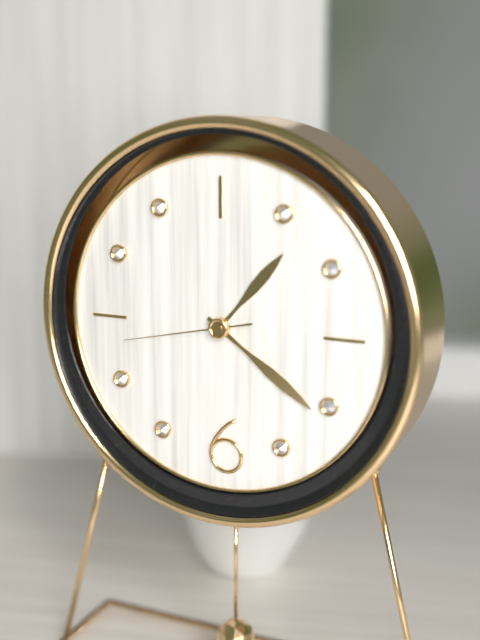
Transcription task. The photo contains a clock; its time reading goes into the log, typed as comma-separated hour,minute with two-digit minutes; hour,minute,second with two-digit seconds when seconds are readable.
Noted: 1,21,43
